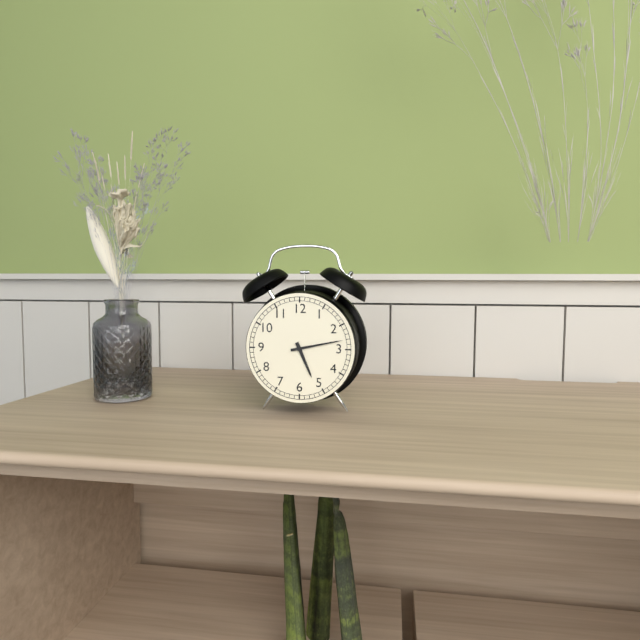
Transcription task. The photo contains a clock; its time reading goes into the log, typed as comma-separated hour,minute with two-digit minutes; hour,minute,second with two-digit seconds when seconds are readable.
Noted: 5,13
